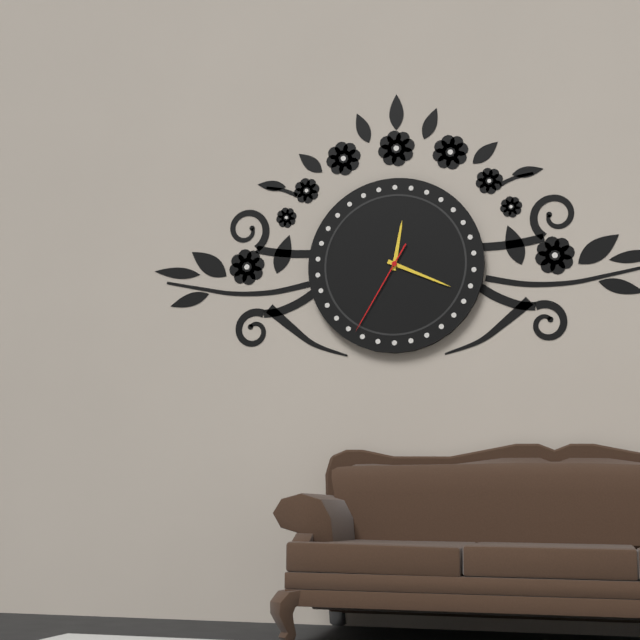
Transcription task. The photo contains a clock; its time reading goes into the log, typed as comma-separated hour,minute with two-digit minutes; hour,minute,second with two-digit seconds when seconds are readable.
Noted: 12,19,35
